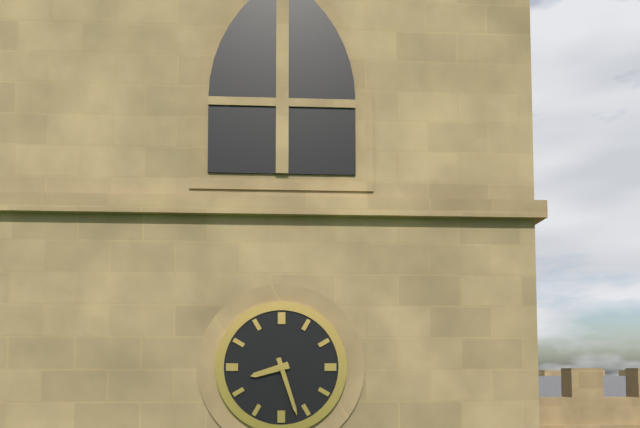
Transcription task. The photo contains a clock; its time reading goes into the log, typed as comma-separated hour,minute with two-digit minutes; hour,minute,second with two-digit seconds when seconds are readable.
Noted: 8,27
